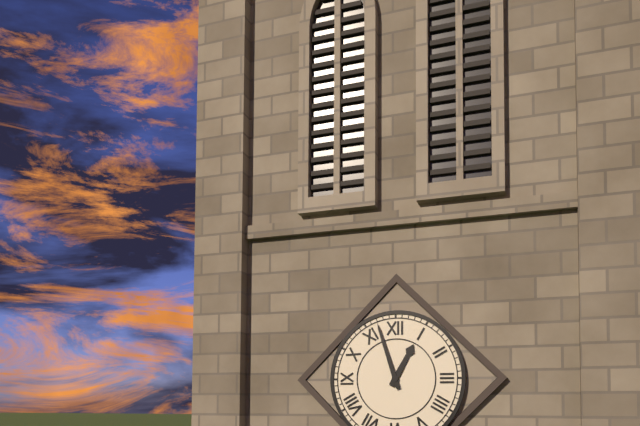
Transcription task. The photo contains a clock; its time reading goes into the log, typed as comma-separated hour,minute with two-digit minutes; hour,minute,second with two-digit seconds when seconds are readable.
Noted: 12,57
